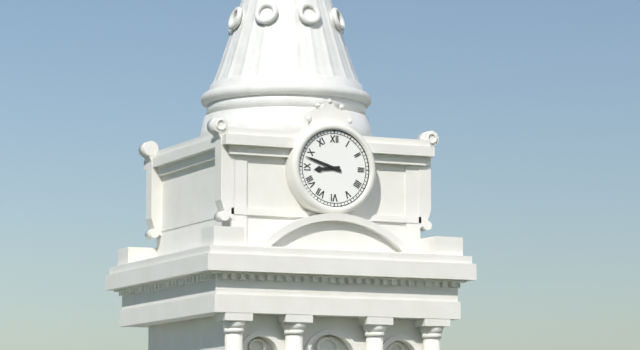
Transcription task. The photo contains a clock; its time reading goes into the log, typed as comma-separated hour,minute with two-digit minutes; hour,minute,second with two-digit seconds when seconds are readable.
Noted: 8,48
